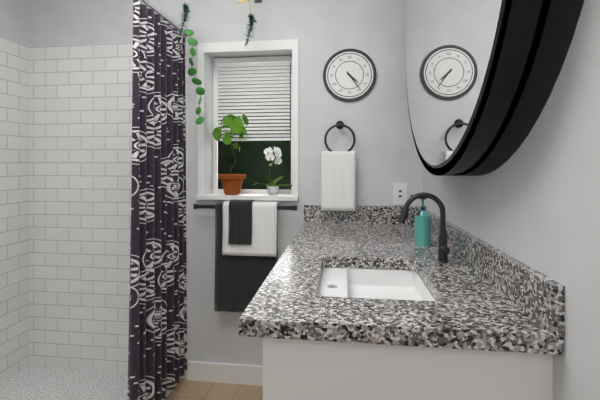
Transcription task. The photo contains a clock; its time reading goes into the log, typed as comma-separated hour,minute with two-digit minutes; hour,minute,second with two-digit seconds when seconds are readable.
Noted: 4,24
